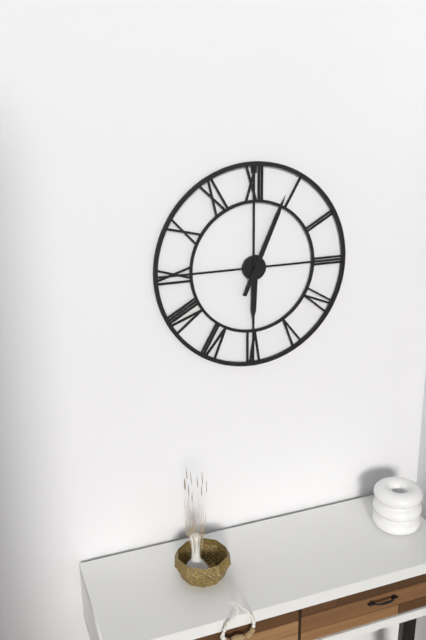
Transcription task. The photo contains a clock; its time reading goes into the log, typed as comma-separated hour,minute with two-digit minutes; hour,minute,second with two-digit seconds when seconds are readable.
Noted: 6,04
